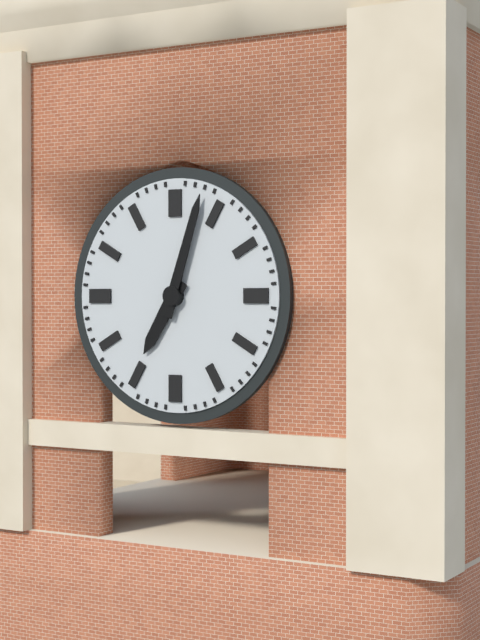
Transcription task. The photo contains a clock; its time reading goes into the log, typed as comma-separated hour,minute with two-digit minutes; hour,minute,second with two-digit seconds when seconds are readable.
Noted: 7,03
